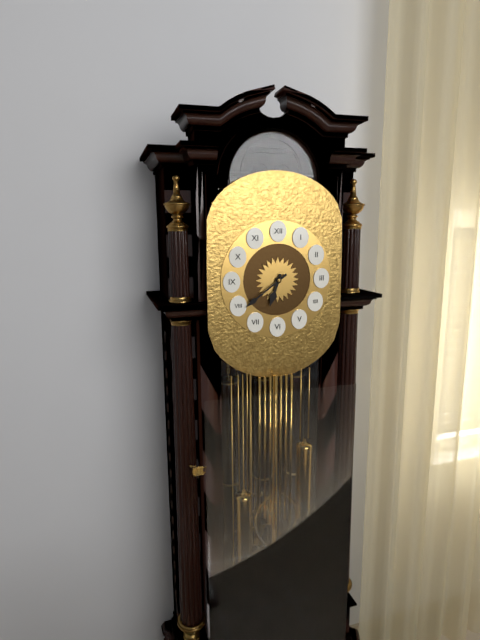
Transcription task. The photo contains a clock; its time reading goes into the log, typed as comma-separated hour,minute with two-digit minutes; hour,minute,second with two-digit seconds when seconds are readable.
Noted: 6,39
